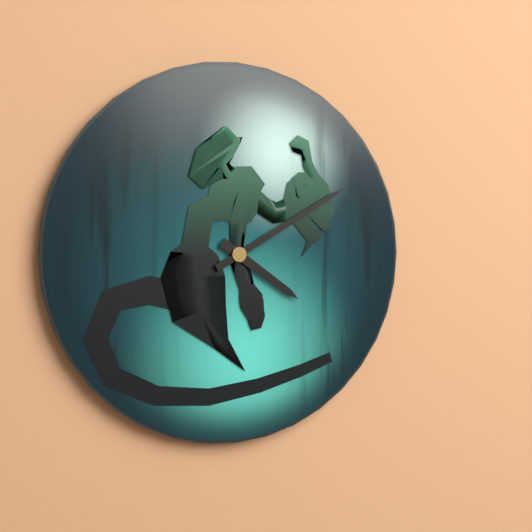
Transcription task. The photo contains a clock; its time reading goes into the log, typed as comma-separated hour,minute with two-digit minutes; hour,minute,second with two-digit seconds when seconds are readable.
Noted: 4,10
